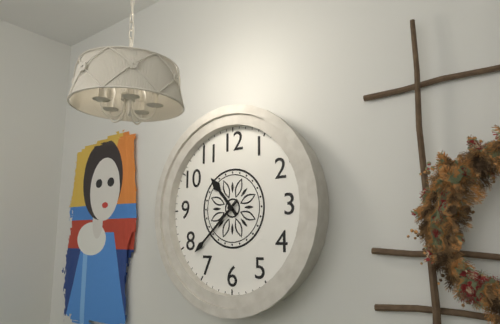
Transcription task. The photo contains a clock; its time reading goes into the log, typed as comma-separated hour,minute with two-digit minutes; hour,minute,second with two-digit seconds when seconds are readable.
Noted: 10,38
